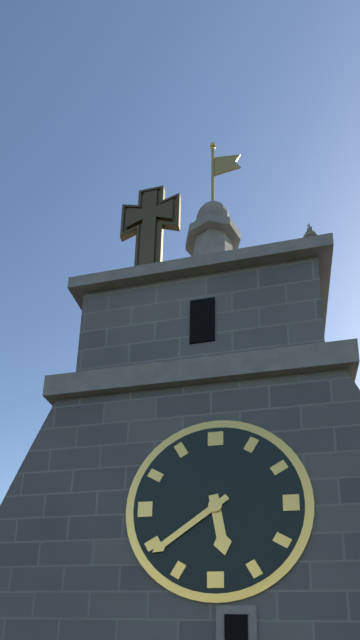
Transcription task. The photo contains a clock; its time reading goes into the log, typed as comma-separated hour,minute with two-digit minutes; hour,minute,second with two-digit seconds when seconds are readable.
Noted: 5,39
